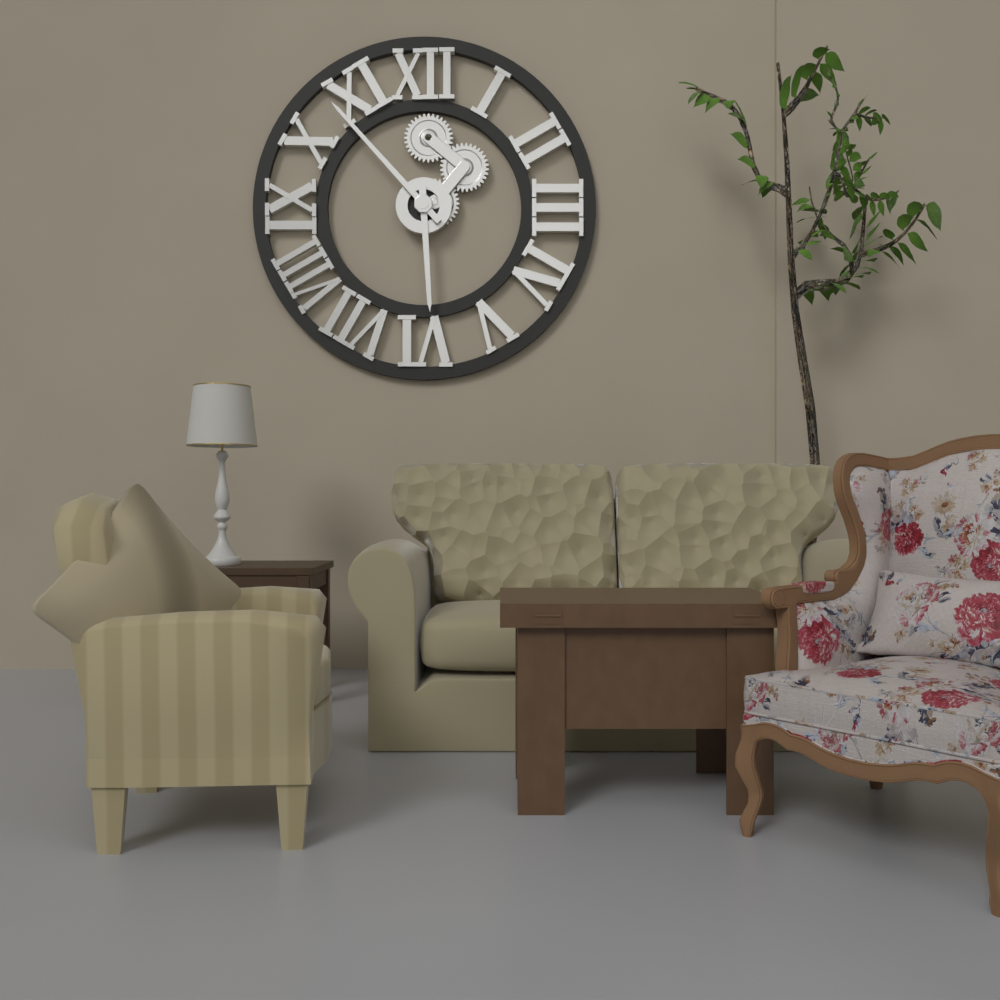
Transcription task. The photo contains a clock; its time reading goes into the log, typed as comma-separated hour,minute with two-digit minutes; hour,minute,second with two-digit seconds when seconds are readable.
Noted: 5,53
